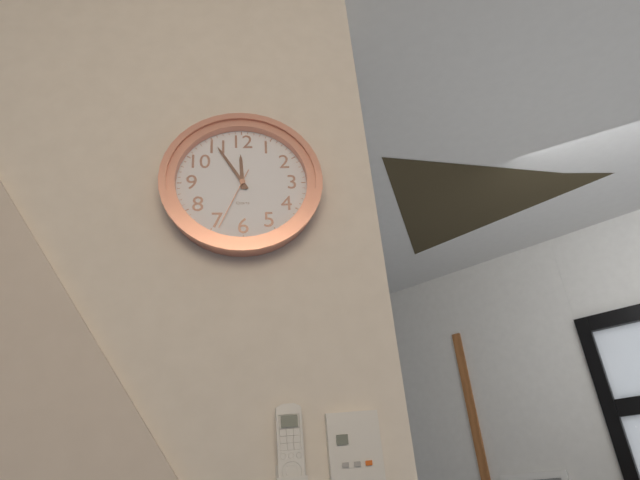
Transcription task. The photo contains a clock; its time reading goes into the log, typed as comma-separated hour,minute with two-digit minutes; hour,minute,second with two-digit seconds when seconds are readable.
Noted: 11,55,34
